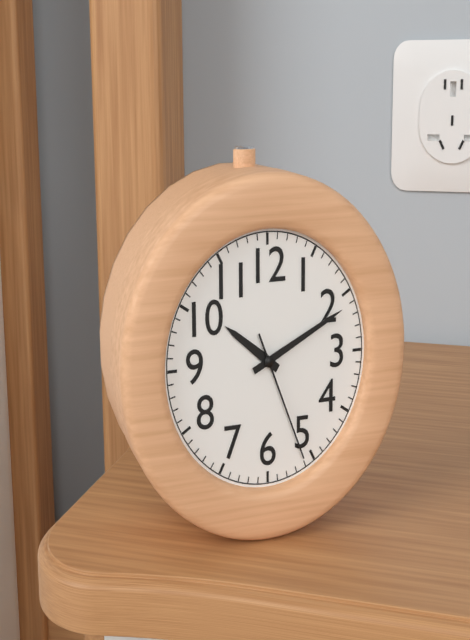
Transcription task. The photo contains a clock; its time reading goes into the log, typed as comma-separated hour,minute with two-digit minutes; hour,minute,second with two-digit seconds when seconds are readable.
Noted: 10,11,26
